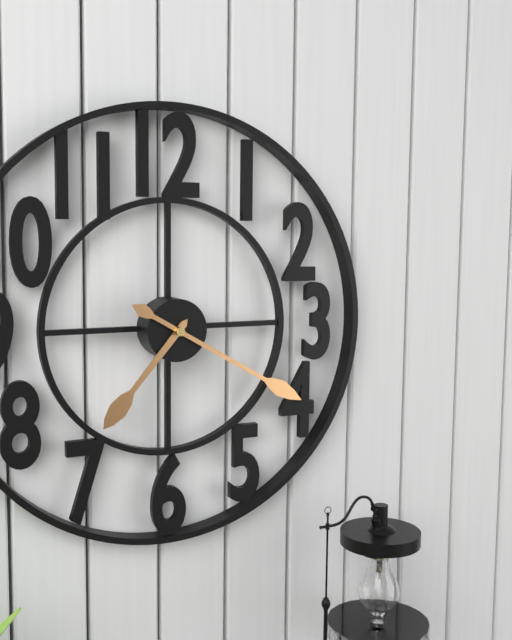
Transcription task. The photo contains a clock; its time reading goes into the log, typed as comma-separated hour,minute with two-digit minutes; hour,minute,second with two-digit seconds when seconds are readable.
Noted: 7,20
